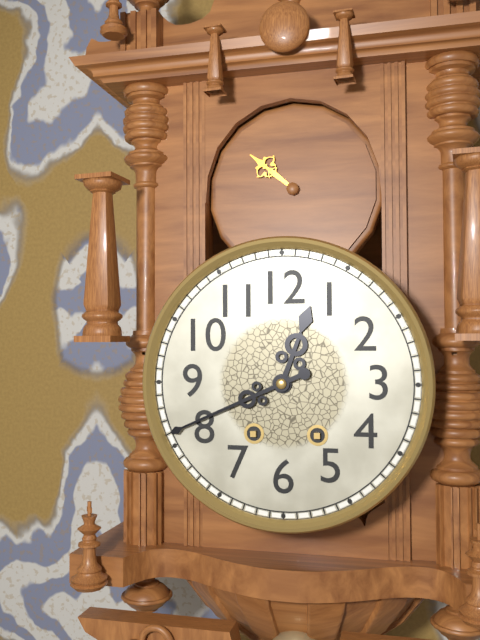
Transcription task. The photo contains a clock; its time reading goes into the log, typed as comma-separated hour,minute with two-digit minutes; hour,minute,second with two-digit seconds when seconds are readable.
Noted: 12,41
